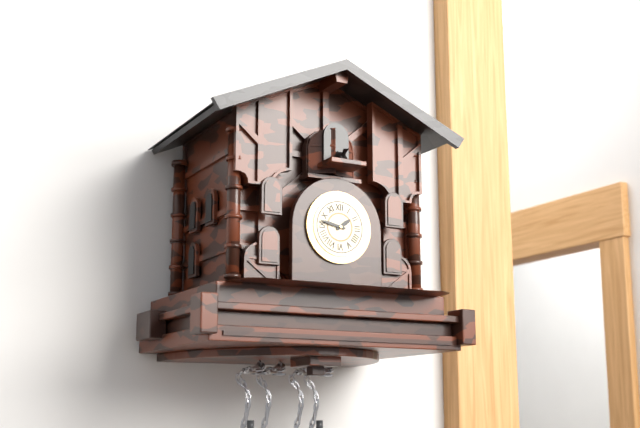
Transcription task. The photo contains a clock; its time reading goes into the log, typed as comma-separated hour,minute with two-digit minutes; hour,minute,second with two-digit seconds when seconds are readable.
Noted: 1,47
